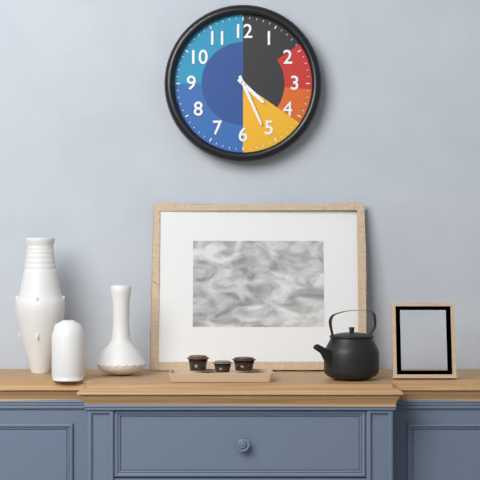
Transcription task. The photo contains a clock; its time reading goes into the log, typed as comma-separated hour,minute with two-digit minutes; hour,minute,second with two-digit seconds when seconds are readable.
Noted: 4,26
